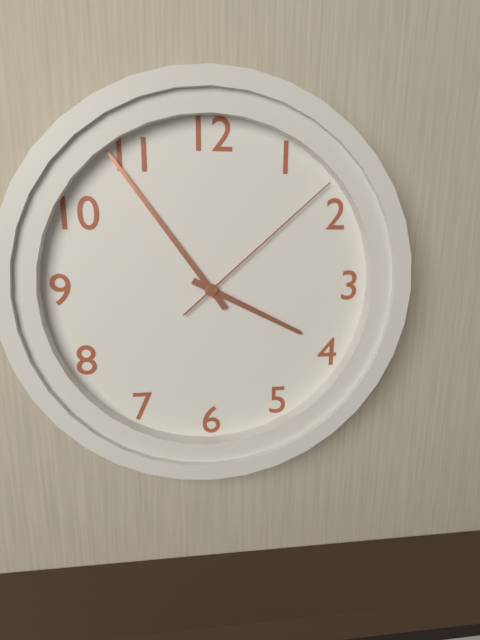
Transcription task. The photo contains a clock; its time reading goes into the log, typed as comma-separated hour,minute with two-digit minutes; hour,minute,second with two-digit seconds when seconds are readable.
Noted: 3,54,08
